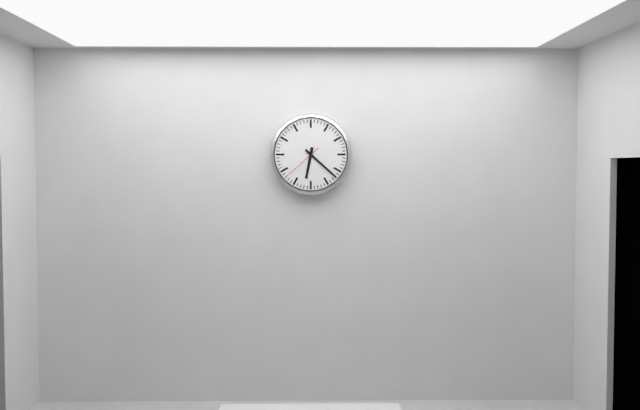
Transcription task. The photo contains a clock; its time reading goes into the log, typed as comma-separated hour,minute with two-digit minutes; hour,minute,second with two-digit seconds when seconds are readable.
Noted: 6,22
